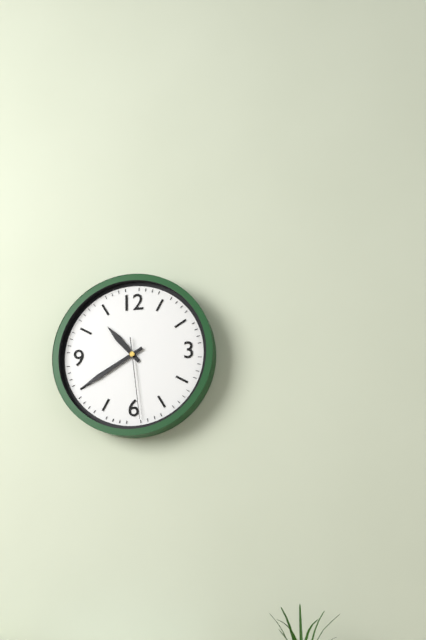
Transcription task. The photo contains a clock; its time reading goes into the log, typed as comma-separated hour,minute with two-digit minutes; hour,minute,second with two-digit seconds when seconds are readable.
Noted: 10,40,29
